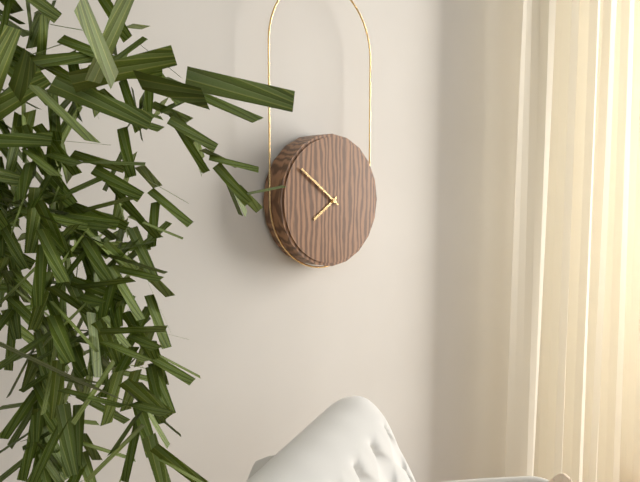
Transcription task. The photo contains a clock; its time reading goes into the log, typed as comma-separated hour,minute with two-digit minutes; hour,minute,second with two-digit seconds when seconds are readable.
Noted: 7,51
